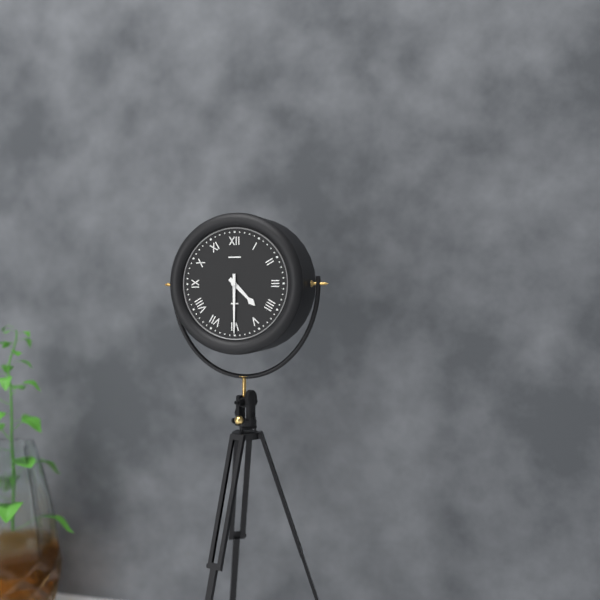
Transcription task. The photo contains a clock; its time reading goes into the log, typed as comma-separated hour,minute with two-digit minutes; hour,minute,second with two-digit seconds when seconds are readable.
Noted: 4,30
